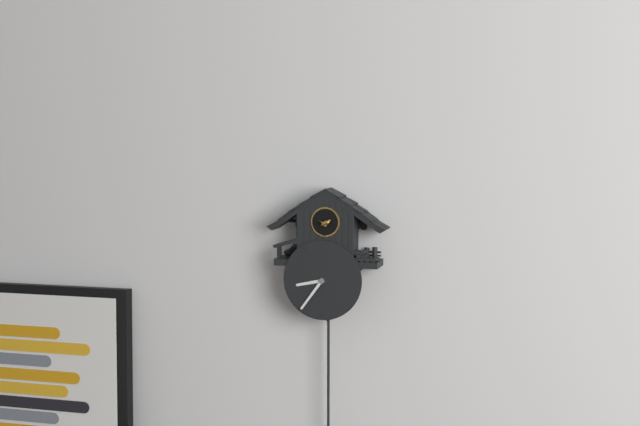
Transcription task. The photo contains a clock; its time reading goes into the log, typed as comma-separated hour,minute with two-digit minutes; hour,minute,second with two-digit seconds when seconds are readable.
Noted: 8,36
